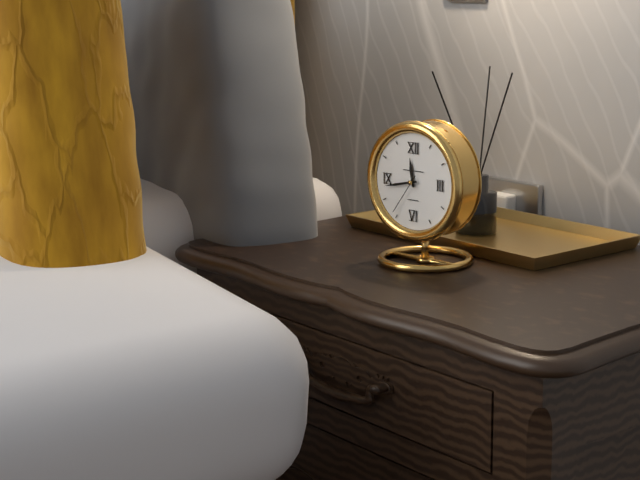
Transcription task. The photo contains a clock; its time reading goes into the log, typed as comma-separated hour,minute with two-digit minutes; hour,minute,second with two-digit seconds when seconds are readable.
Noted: 11,43
